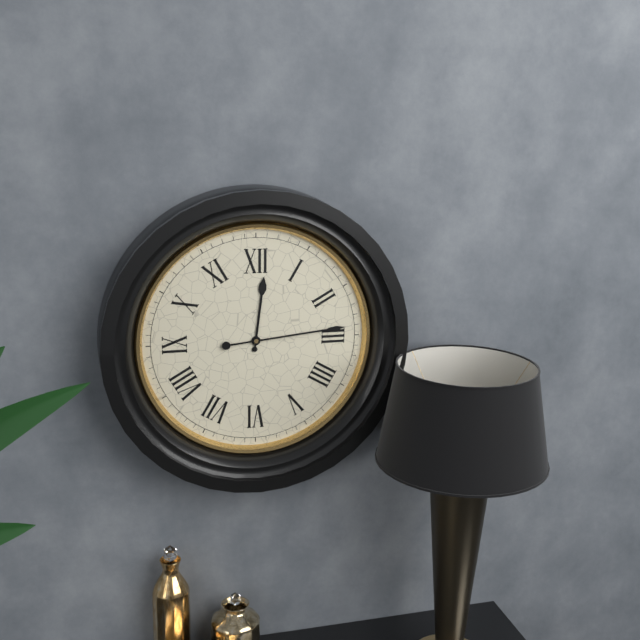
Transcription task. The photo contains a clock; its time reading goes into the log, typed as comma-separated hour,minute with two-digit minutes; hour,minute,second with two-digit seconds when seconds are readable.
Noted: 12,14
